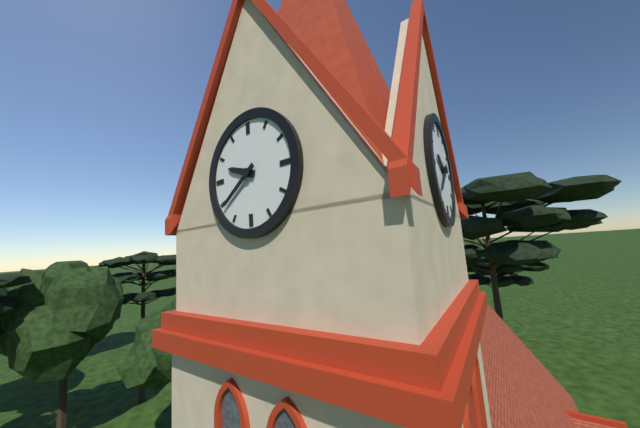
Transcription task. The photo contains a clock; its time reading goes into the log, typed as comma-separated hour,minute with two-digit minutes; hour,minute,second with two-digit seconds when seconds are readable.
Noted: 9,39
